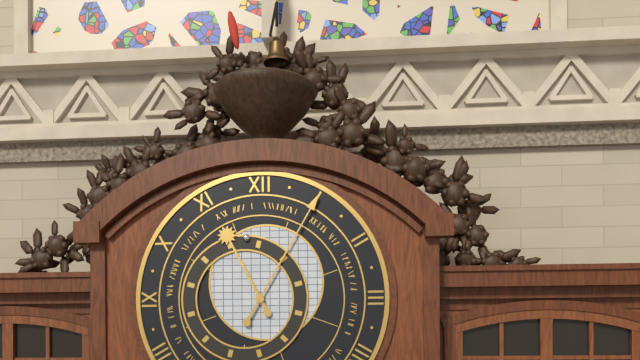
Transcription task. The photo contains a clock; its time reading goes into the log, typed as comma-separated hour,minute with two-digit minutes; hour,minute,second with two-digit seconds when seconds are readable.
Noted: 11,05
